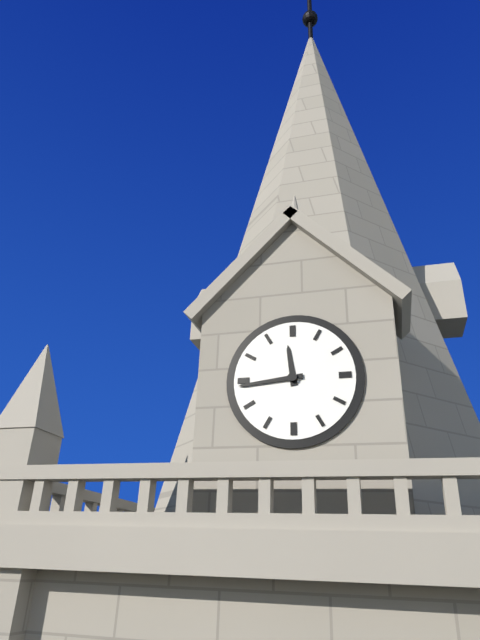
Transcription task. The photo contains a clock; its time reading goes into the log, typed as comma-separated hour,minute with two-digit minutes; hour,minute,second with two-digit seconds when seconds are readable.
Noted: 11,44
